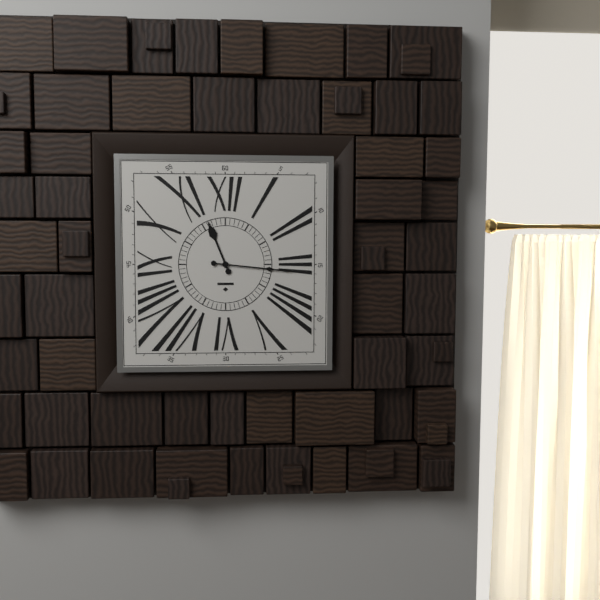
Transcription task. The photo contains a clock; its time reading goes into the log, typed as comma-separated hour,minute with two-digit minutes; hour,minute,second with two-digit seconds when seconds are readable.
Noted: 11,16
